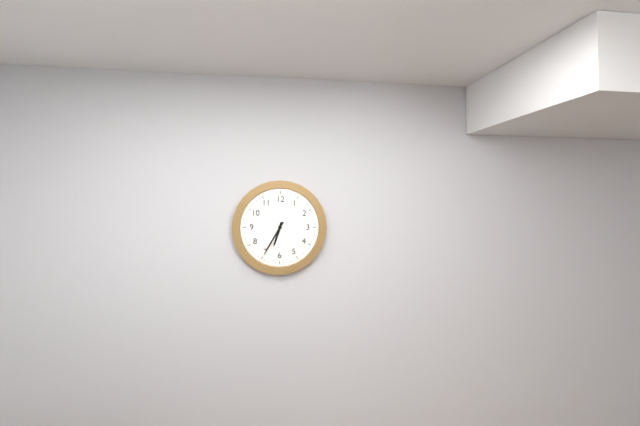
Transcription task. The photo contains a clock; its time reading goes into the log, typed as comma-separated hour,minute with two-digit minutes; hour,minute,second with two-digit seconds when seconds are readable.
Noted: 6,35
